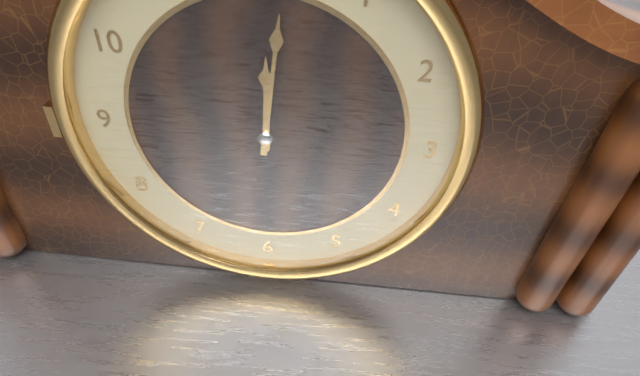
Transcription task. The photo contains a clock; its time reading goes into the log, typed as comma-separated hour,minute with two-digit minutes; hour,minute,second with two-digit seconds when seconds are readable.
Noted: 12,01
